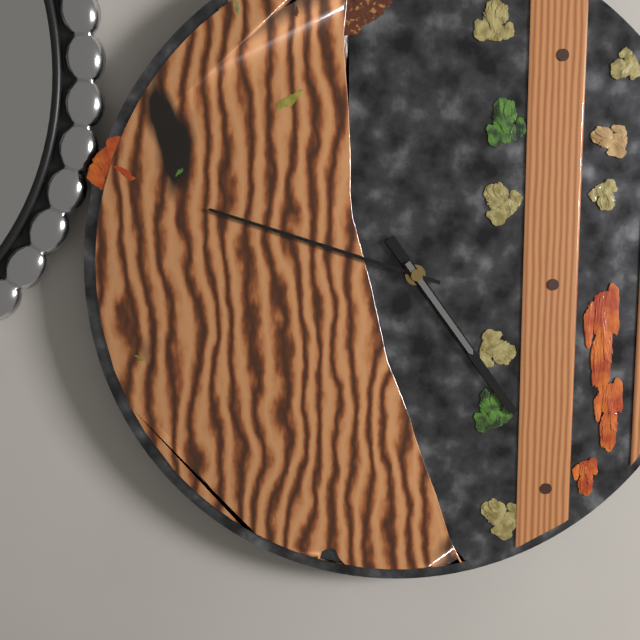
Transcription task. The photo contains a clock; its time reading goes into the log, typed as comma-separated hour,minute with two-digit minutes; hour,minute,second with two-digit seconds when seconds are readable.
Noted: 4,48,24
